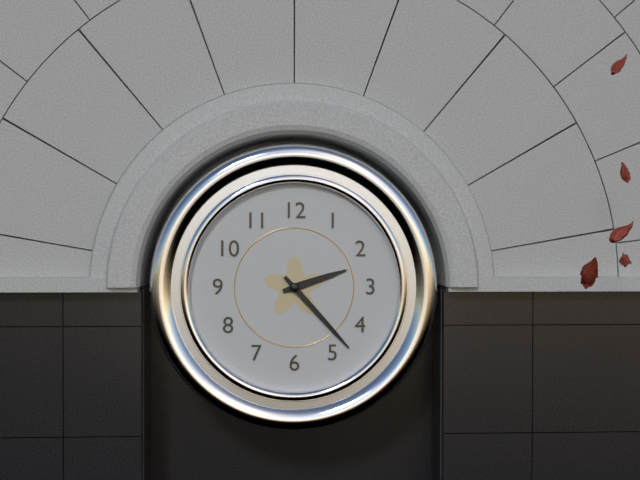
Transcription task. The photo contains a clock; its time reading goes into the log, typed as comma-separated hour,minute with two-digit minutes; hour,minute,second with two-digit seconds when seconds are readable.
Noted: 2,23
